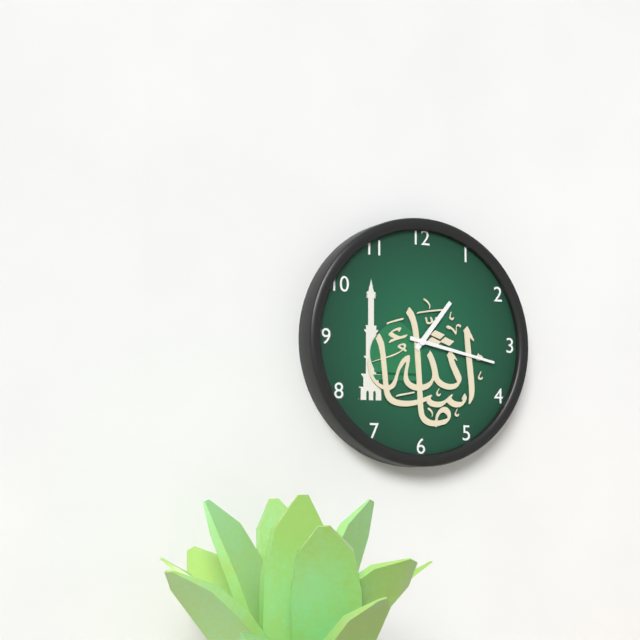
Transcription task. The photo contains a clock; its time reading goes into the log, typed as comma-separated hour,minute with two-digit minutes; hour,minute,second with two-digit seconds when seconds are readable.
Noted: 1,17
